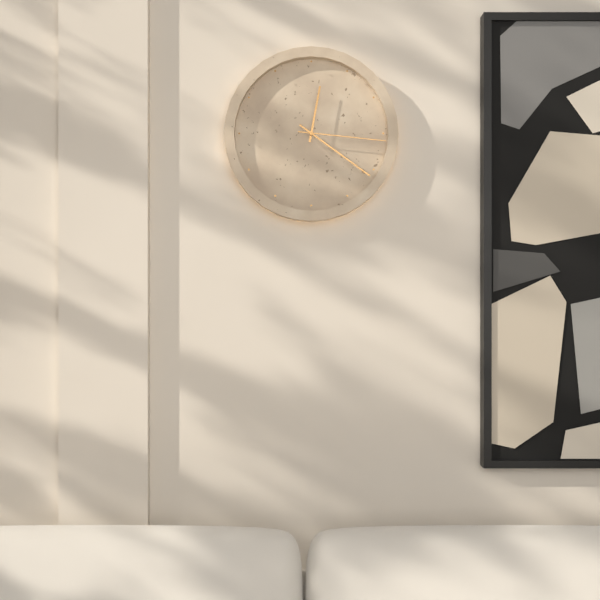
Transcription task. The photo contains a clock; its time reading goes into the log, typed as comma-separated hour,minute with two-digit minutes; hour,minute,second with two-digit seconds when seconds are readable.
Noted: 12,21,16
